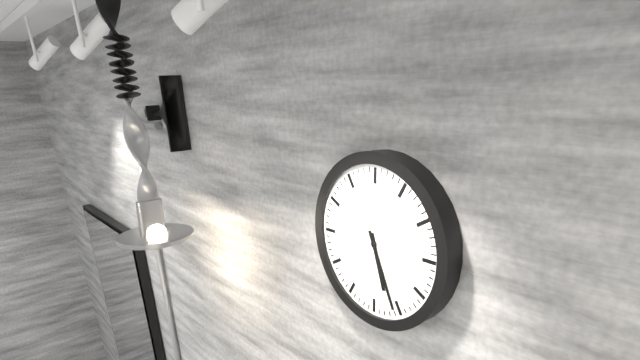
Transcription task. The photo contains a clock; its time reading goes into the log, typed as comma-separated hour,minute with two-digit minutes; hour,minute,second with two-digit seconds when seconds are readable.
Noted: 5,26
